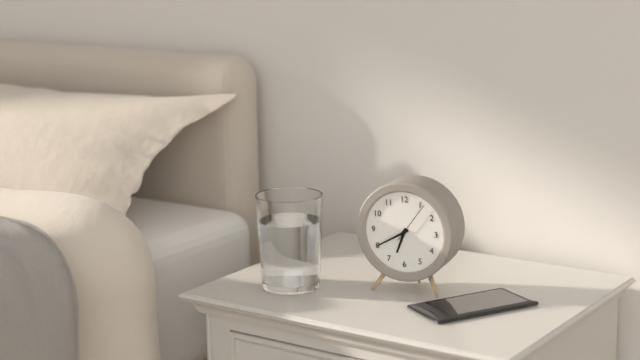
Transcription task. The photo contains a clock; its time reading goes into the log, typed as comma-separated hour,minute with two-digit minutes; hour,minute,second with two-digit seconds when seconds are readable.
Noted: 6,40
